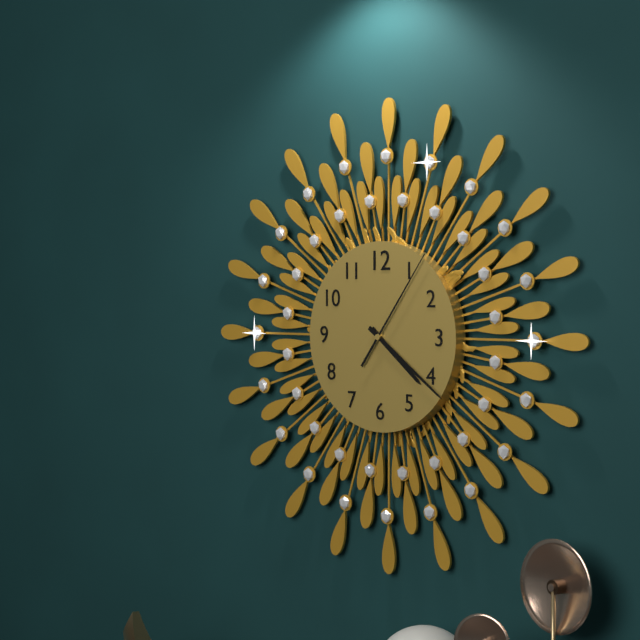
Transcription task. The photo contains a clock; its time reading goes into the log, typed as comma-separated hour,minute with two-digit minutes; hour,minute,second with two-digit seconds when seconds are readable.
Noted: 4,21,06
